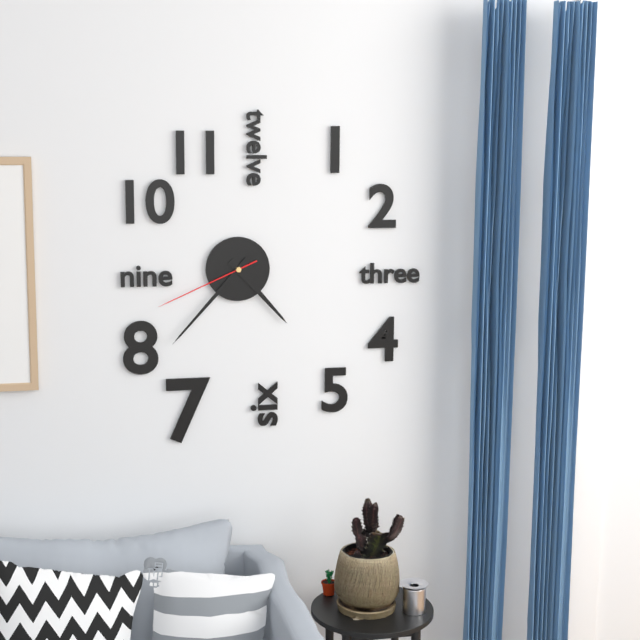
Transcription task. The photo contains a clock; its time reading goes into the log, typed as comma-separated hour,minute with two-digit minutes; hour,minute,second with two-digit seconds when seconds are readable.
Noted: 4,37,41
